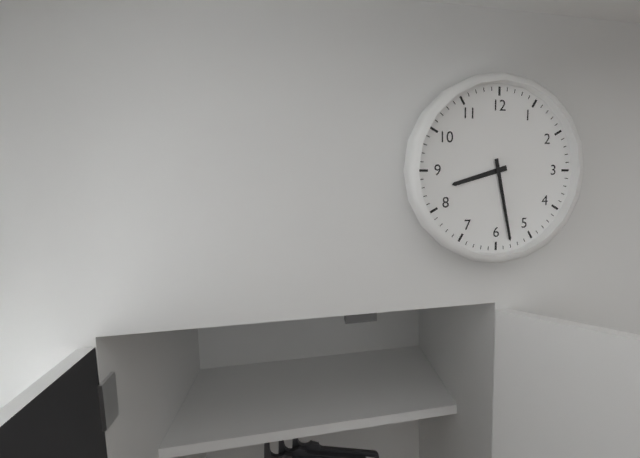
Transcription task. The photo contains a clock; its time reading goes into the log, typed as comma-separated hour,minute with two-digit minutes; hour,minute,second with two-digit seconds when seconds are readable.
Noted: 8,28
